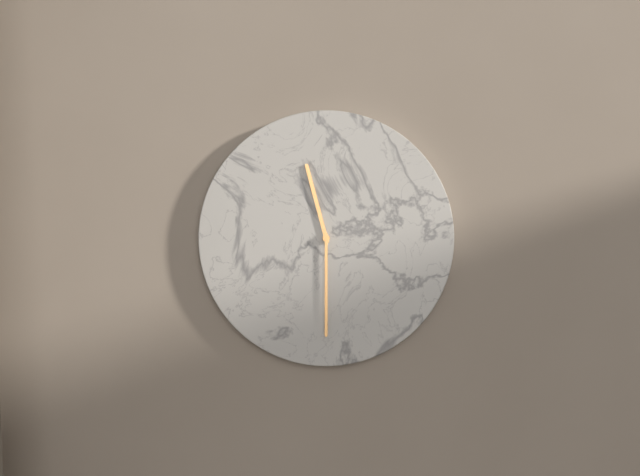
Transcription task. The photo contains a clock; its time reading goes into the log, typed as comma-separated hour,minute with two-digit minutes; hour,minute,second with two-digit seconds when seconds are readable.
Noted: 11,30
